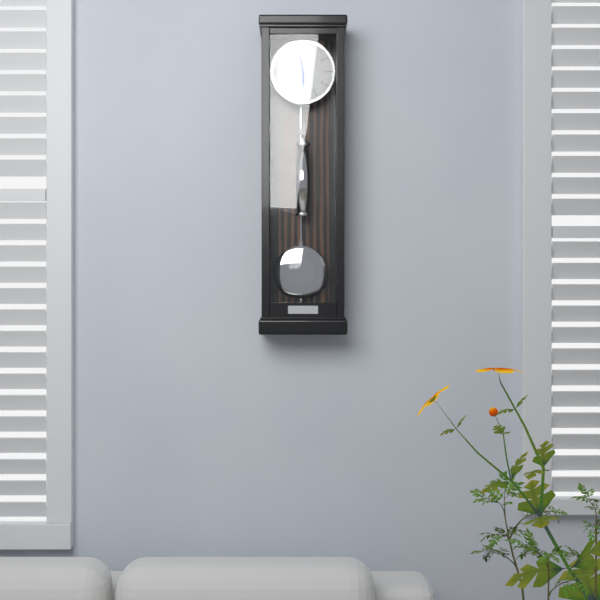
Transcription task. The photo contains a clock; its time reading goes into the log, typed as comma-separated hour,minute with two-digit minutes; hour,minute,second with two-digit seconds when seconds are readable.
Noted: 5,58
